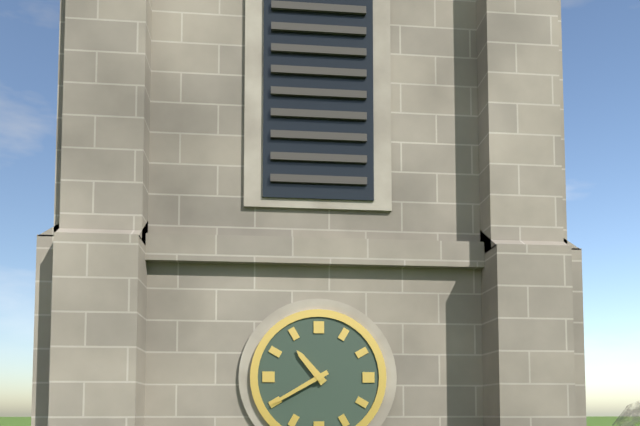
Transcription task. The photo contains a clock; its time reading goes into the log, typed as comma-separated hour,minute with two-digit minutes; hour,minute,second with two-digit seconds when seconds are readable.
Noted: 10,40
